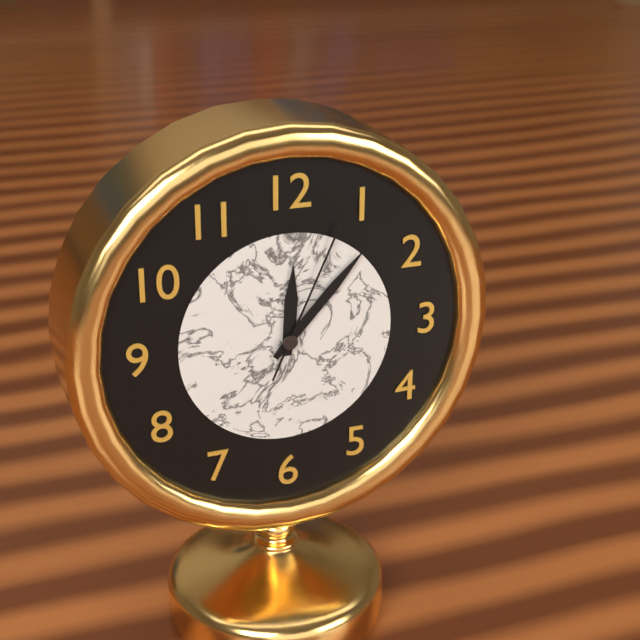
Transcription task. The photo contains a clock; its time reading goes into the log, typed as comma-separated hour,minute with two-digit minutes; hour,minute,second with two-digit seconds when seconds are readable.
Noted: 12,07,04
